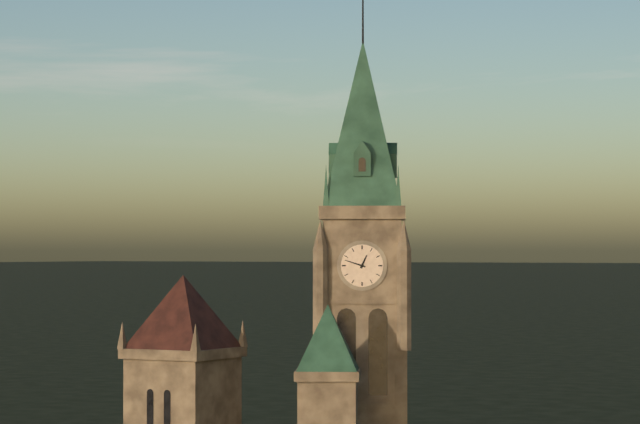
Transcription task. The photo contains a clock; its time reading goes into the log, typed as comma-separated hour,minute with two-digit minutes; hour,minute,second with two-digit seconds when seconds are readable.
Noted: 12,48
